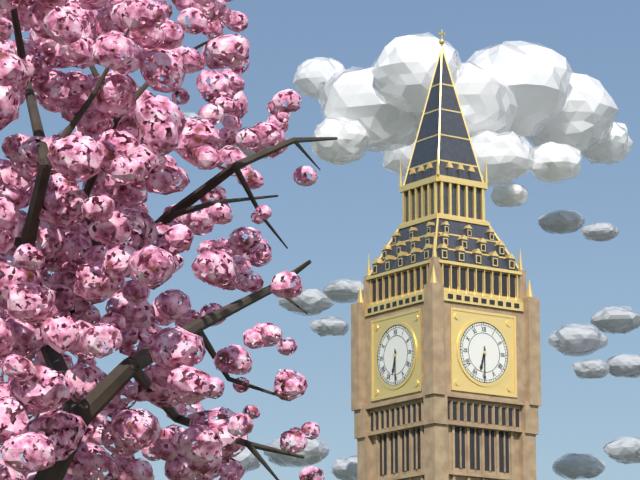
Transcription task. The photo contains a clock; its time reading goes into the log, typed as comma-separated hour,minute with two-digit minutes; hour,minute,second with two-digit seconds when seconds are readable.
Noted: 6,30
